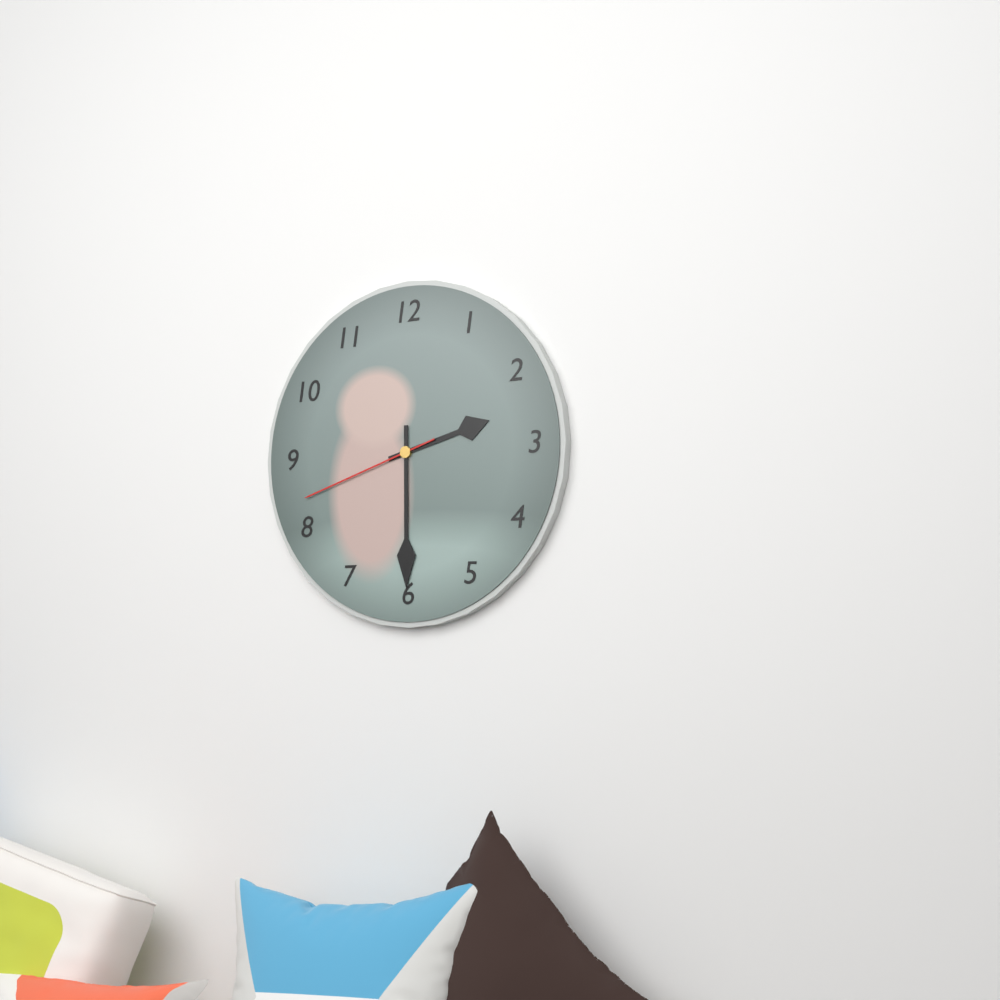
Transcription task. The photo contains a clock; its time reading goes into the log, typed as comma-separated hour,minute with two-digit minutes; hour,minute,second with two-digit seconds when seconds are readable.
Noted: 2,30,42
